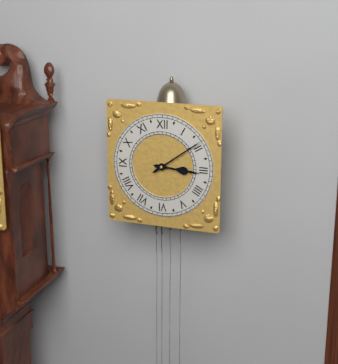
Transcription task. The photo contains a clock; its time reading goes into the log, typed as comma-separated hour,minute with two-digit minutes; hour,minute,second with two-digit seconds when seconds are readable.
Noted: 3,09
